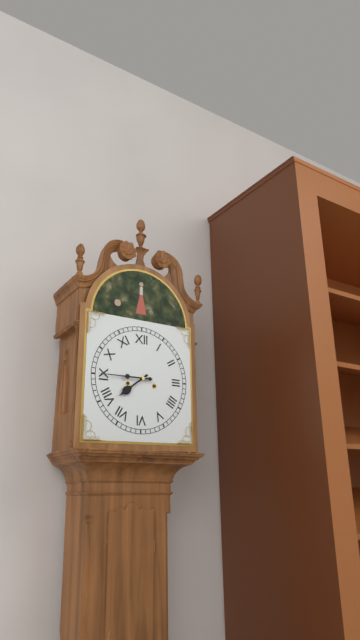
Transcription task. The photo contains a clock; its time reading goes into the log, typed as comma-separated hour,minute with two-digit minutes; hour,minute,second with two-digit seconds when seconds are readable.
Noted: 7,45
